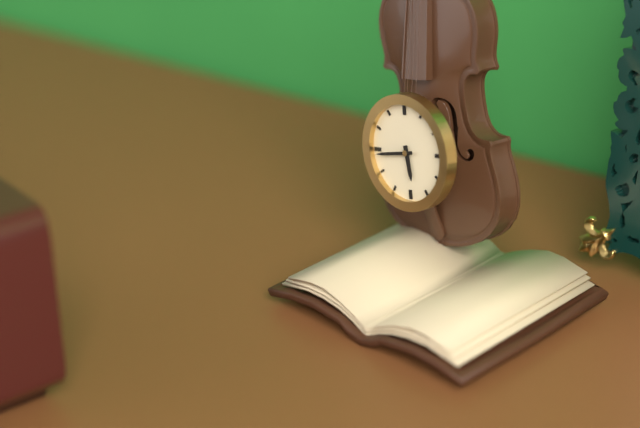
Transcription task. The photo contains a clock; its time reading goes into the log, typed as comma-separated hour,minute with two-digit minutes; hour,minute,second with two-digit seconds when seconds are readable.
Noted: 5,44
